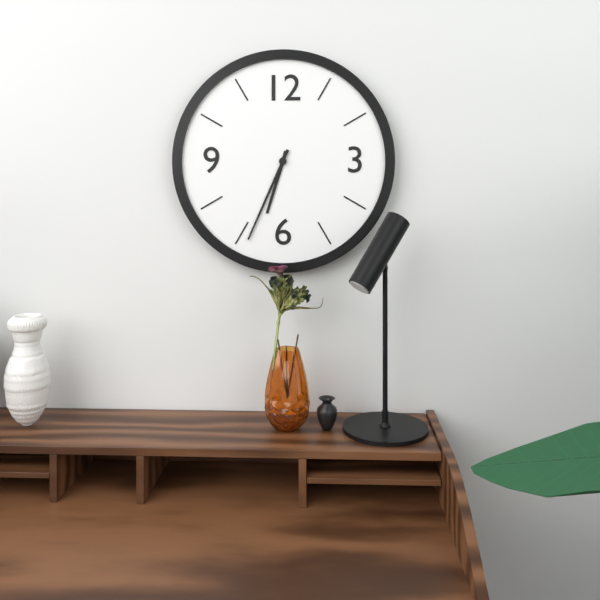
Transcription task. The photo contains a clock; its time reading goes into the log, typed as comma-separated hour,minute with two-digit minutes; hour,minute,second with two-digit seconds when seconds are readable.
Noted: 6,34
